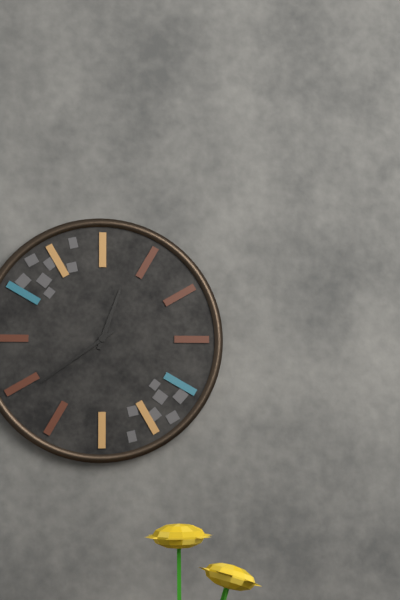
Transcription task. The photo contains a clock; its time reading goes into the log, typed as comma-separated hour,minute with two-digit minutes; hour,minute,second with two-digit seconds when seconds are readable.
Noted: 12,39
